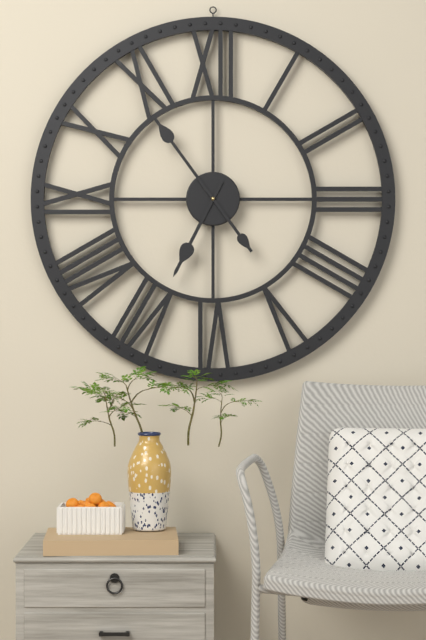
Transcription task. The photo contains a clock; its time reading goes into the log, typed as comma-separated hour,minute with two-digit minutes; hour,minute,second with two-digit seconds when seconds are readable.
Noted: 6,54
